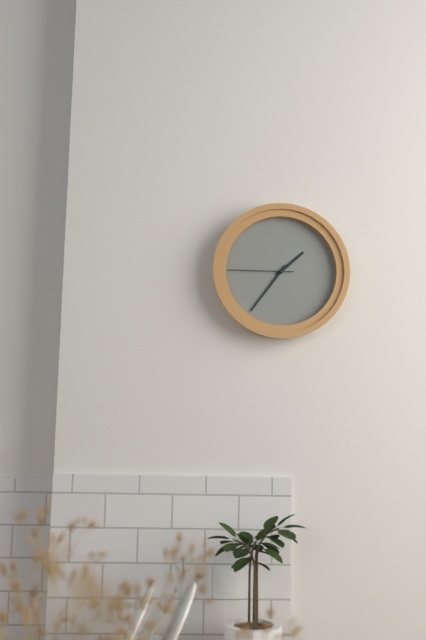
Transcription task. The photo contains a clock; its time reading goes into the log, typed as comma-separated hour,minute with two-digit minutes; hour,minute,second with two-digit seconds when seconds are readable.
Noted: 1,36,45
